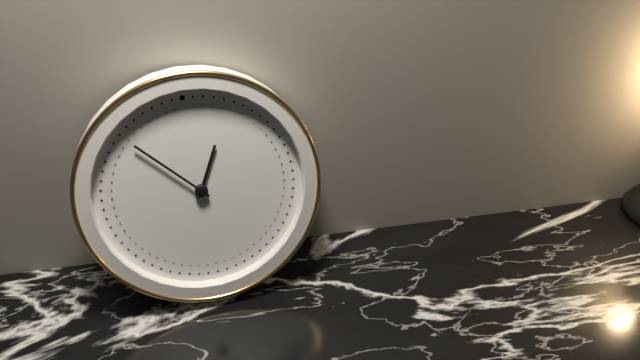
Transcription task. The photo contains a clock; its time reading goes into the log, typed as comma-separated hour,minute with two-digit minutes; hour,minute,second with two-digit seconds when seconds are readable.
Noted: 12,53
